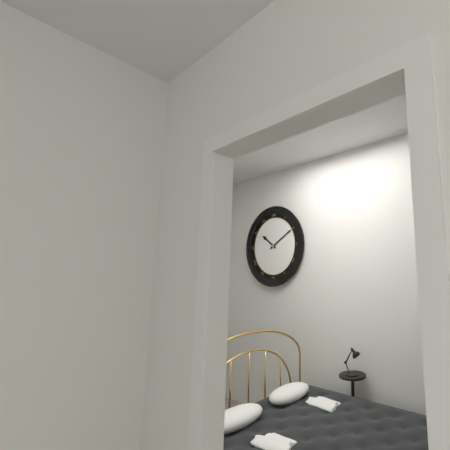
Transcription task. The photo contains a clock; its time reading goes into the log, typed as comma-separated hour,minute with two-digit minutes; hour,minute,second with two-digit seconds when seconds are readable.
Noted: 10,10
